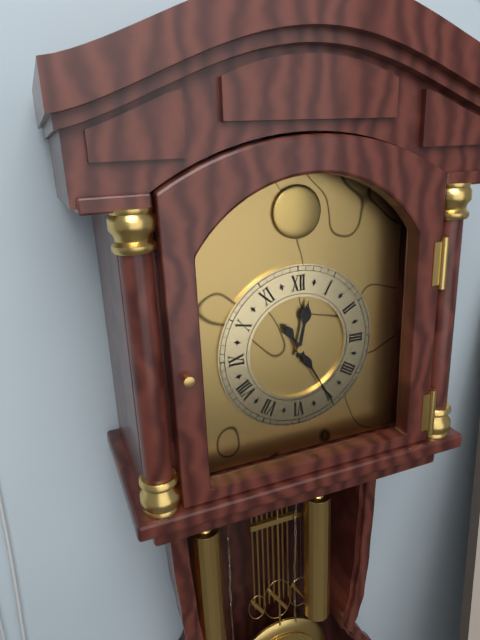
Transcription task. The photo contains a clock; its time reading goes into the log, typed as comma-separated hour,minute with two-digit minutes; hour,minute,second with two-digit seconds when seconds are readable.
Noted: 12,25
